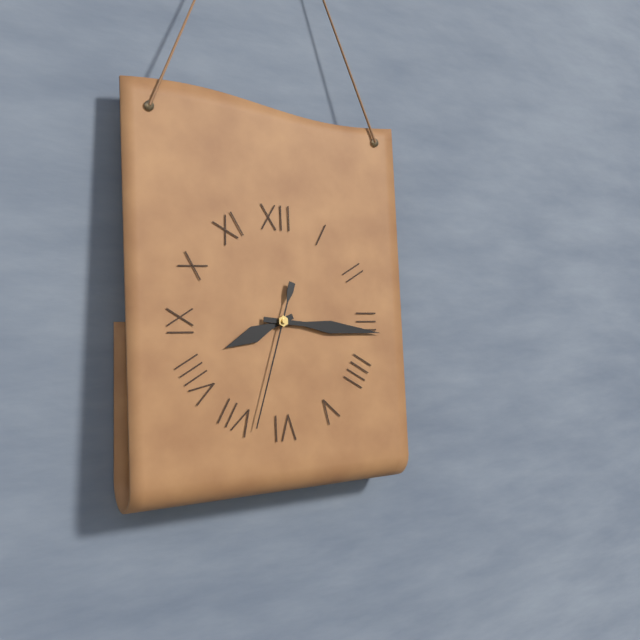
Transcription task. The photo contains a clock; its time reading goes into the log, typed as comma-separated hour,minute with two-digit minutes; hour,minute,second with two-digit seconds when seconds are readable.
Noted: 8,16,33
